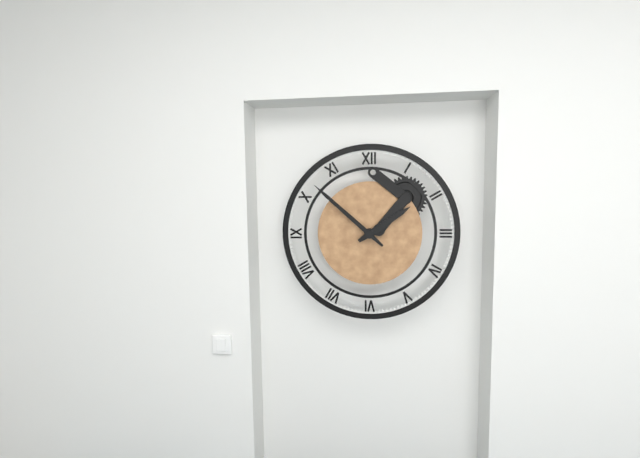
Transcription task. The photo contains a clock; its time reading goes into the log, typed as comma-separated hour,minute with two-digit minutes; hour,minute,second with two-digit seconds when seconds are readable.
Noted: 1,52
